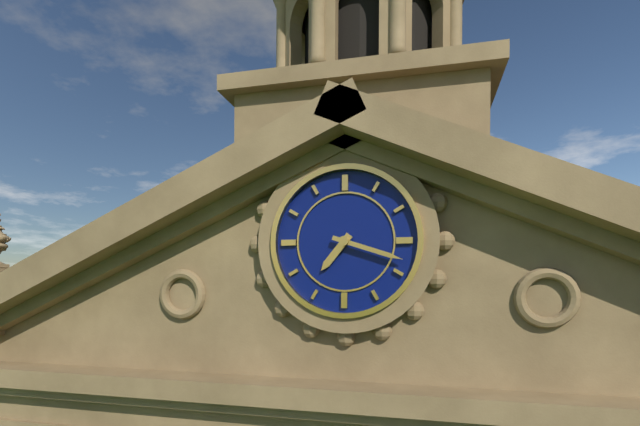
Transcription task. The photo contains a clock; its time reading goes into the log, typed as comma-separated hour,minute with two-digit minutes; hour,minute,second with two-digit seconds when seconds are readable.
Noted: 7,18
